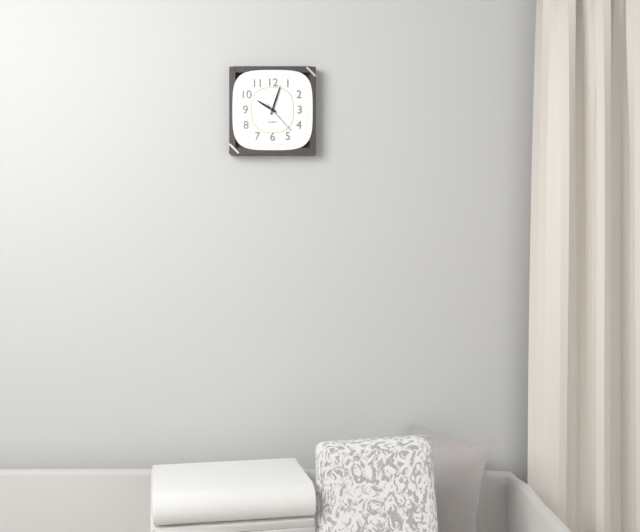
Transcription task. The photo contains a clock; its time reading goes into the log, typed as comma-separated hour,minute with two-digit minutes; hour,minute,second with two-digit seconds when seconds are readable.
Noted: 10,03
